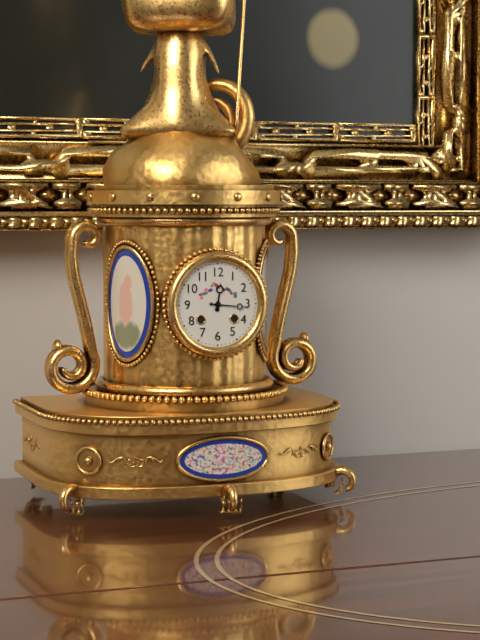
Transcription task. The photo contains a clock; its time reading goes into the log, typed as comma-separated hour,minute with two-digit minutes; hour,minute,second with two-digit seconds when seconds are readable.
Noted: 12,16
